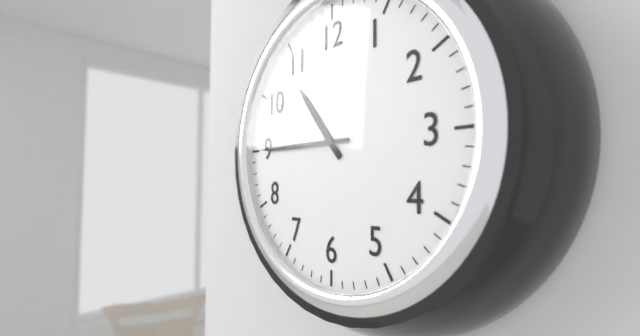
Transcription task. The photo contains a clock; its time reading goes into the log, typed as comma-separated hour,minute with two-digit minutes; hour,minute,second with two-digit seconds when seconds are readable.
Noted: 10,45
